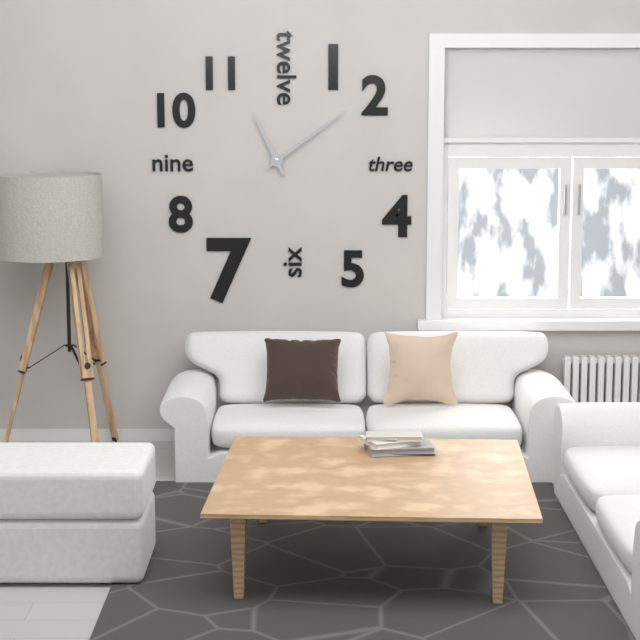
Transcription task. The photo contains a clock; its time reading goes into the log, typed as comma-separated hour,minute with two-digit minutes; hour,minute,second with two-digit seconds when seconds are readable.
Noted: 11,09
